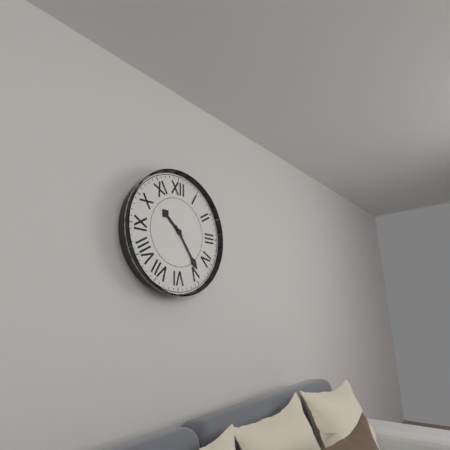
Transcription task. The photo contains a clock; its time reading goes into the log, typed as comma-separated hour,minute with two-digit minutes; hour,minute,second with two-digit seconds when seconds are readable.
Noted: 10,24
